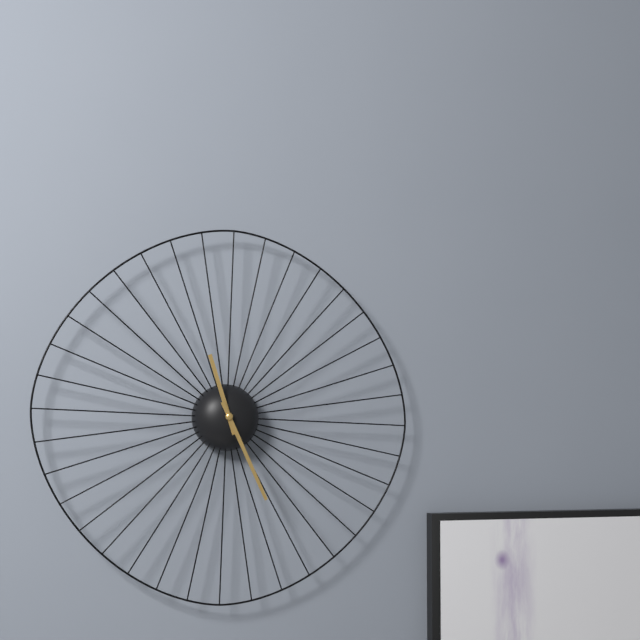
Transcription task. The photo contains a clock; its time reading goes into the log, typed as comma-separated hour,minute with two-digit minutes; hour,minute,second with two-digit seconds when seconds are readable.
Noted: 11,26
